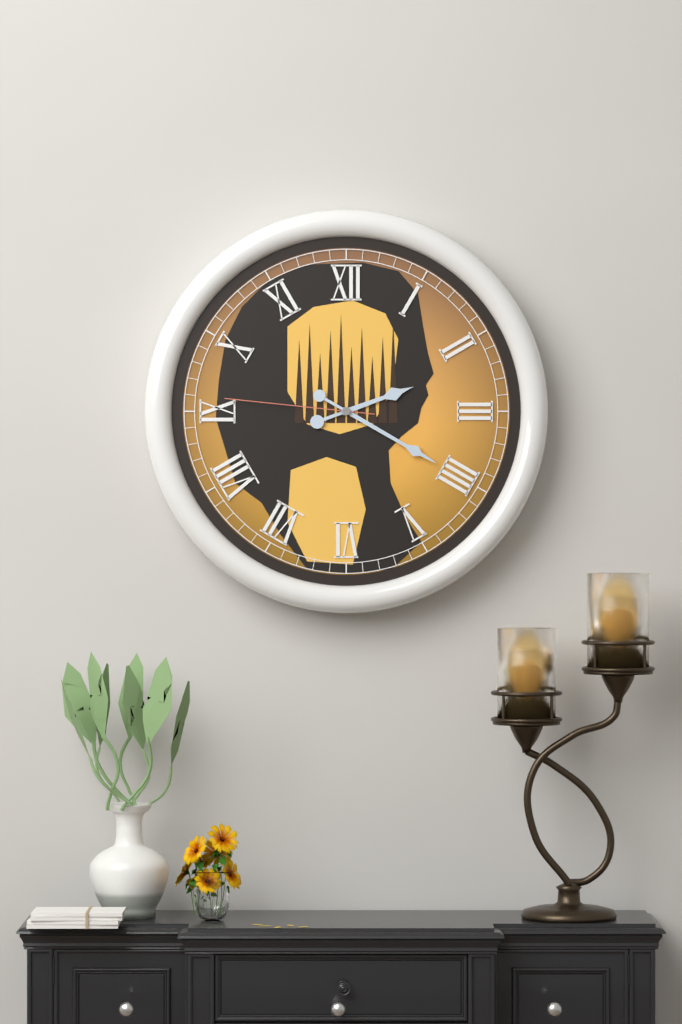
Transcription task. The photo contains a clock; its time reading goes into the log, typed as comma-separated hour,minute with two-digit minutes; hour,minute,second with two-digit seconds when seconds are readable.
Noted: 2,20,46
